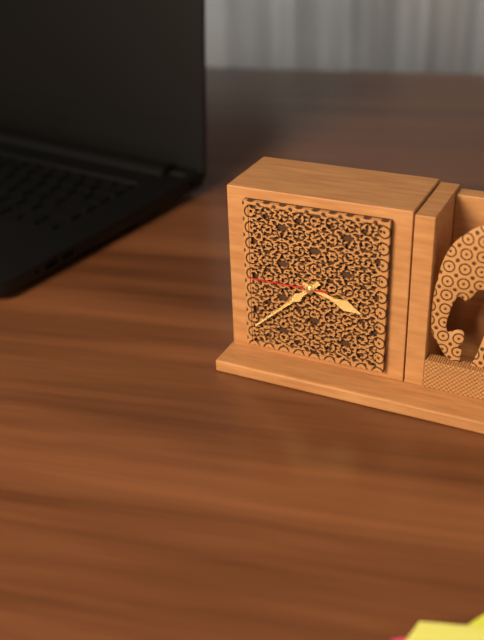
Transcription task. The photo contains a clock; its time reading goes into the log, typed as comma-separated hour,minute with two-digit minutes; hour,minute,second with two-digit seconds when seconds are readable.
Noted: 3,38,45
